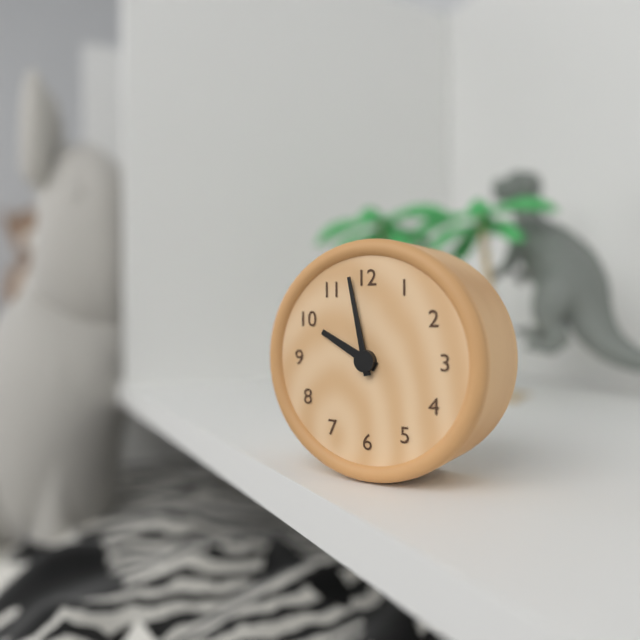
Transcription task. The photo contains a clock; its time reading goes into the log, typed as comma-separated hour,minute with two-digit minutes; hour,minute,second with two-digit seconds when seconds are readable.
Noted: 9,58
